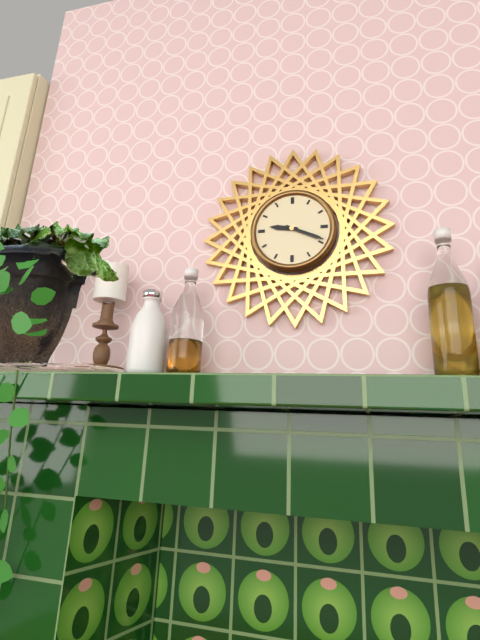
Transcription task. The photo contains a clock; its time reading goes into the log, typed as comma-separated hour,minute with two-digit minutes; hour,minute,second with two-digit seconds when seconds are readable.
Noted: 9,19
